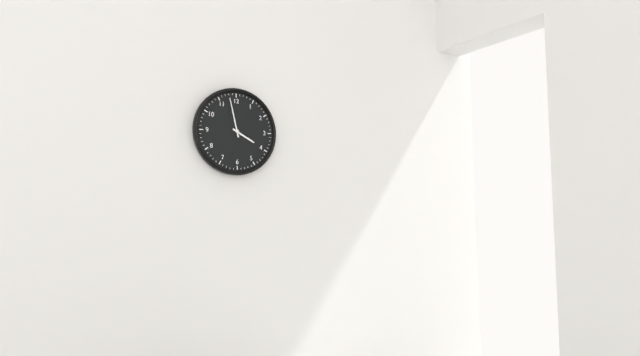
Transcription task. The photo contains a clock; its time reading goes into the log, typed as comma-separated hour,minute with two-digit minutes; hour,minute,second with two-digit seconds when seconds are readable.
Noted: 3,58
